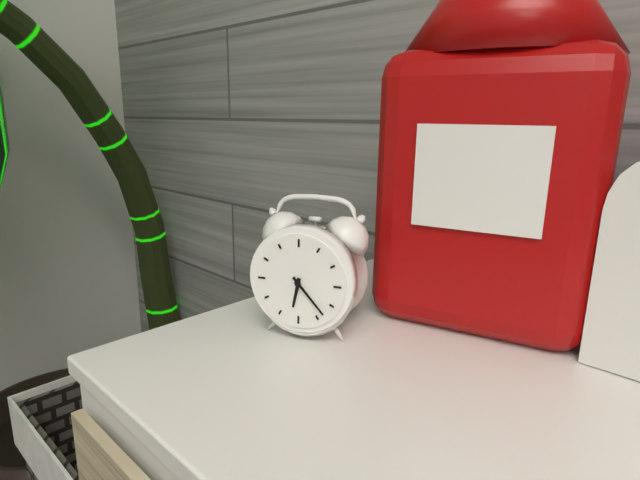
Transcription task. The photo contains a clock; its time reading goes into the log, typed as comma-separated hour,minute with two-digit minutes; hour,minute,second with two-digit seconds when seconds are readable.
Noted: 6,23
